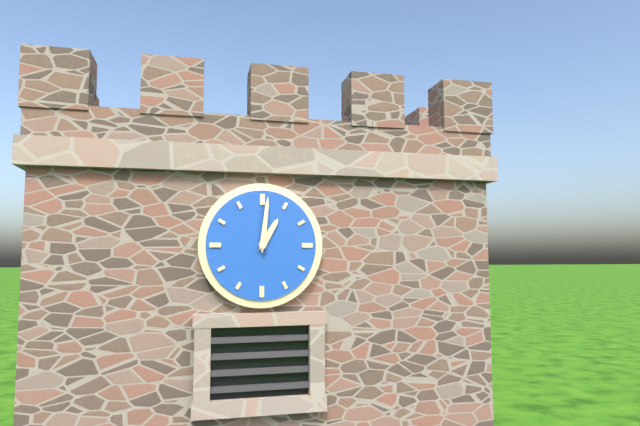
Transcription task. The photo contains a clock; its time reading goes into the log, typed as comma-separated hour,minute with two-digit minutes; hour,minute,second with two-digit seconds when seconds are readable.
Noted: 1,01
